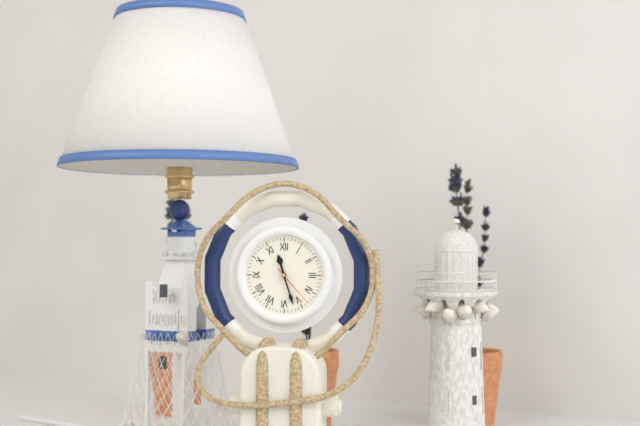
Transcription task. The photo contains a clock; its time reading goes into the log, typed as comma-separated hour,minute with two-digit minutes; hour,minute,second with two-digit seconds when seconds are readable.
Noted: 11,27
